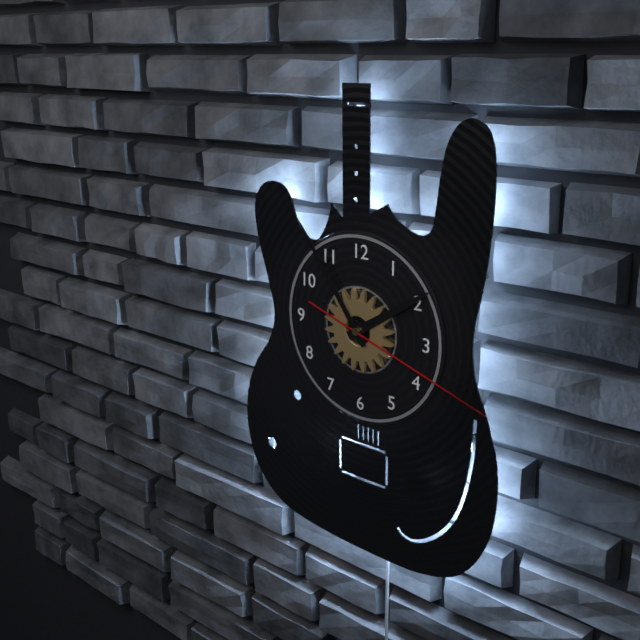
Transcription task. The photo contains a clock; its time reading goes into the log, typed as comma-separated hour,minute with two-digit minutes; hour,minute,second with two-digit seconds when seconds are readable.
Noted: 1,54,18
